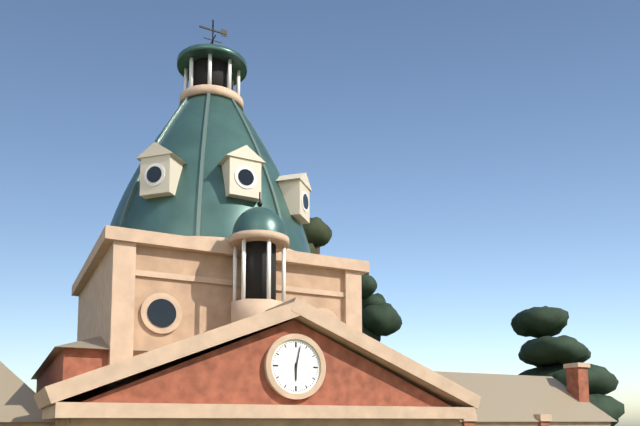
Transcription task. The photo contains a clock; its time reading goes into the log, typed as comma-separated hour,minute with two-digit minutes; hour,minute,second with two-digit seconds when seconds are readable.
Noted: 6,02
